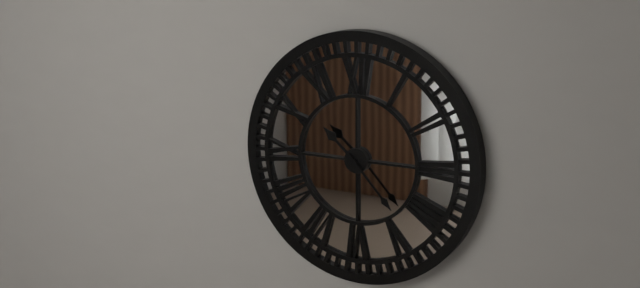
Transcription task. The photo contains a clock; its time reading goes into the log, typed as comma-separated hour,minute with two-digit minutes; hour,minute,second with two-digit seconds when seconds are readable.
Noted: 10,23
